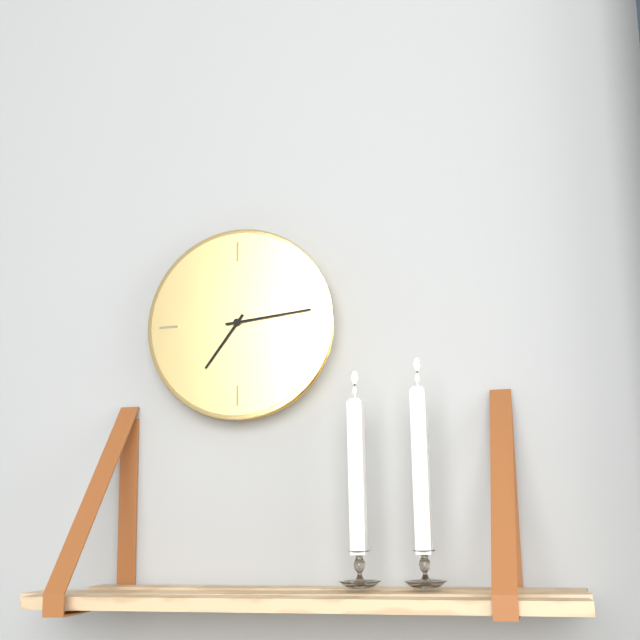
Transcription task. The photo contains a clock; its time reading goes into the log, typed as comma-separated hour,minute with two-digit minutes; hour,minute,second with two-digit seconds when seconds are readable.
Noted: 7,14
